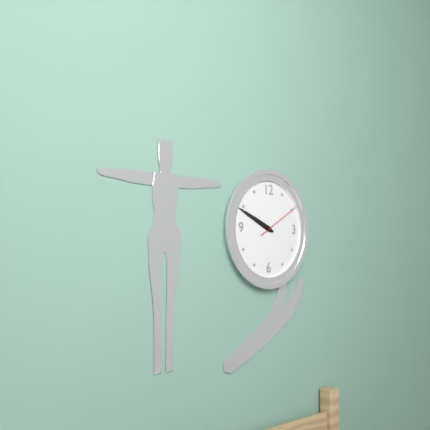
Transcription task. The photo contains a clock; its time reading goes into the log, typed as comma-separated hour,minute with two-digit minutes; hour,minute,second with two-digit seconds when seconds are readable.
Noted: 9,49
